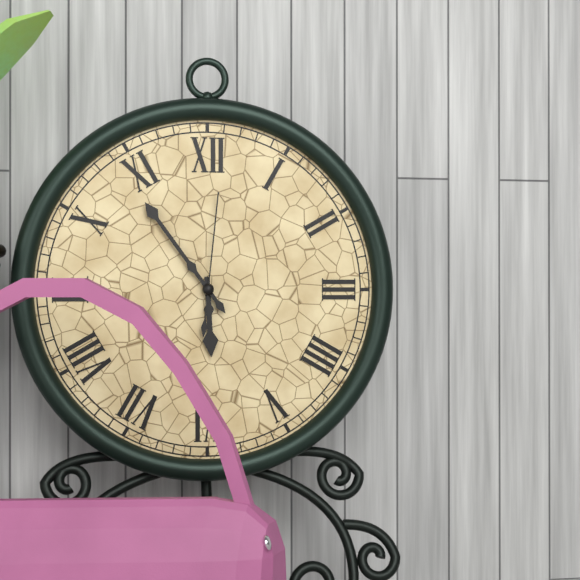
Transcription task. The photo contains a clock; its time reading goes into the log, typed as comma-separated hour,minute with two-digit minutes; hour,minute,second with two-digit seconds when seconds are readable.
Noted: 5,54,01
